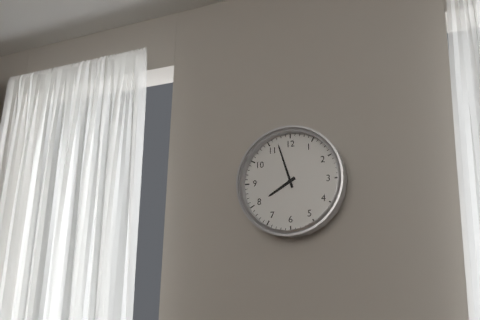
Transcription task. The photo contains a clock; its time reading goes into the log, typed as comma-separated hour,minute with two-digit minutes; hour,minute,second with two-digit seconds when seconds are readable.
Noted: 7,57
